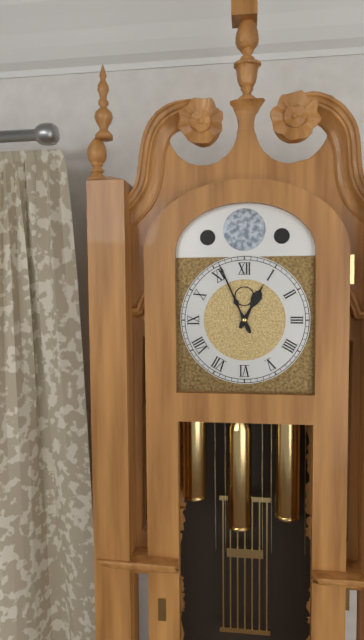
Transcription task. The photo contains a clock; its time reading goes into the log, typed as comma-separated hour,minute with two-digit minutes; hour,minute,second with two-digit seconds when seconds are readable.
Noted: 12,56
